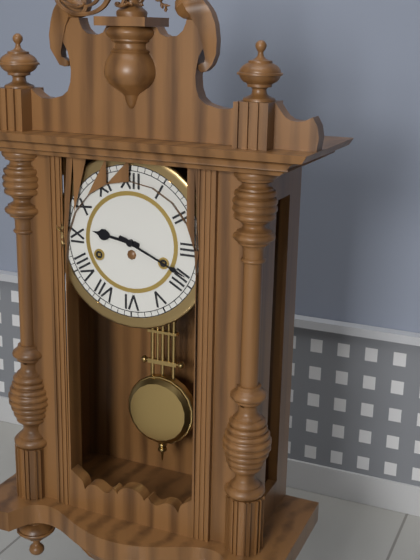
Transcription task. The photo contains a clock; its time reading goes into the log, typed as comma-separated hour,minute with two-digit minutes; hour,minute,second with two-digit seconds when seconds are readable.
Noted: 9,19
